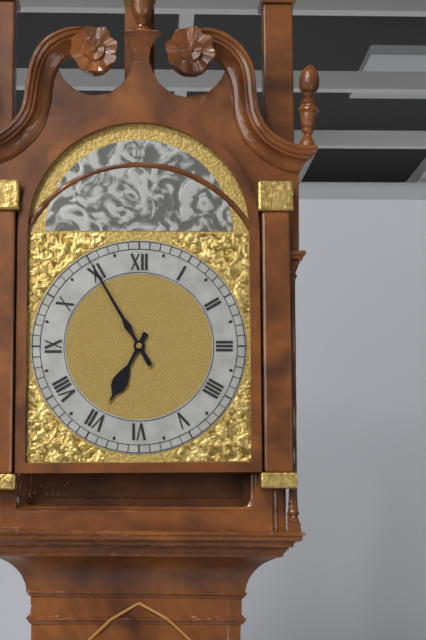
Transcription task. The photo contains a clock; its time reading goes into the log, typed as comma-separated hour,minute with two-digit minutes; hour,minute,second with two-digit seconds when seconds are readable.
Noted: 6,55
